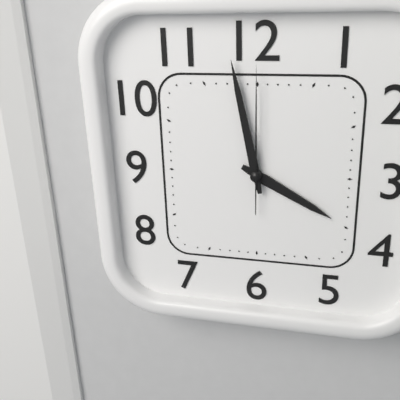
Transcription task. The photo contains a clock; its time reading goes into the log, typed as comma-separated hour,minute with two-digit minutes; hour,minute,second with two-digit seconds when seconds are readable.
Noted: 3,58,00
